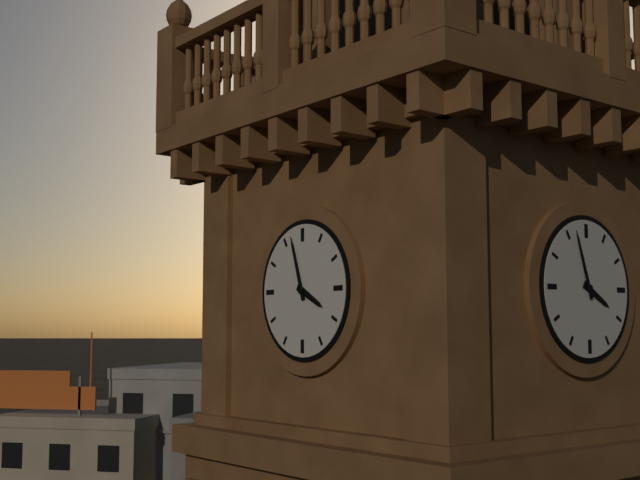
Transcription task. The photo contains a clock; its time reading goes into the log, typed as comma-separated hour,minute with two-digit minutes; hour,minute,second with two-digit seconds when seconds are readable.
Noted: 3,57
